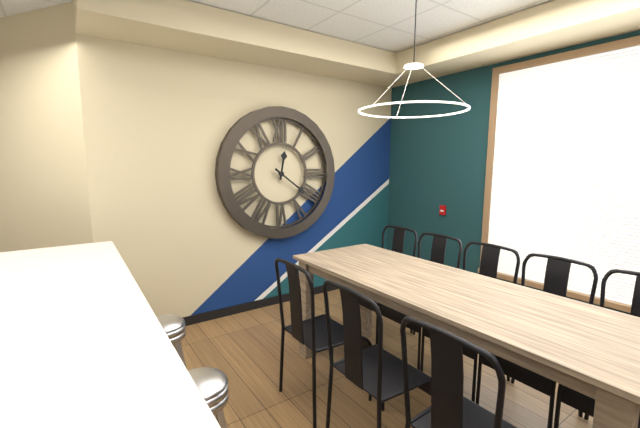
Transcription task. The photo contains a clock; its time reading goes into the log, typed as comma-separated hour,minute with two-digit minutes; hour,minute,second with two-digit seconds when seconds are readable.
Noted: 12,21
